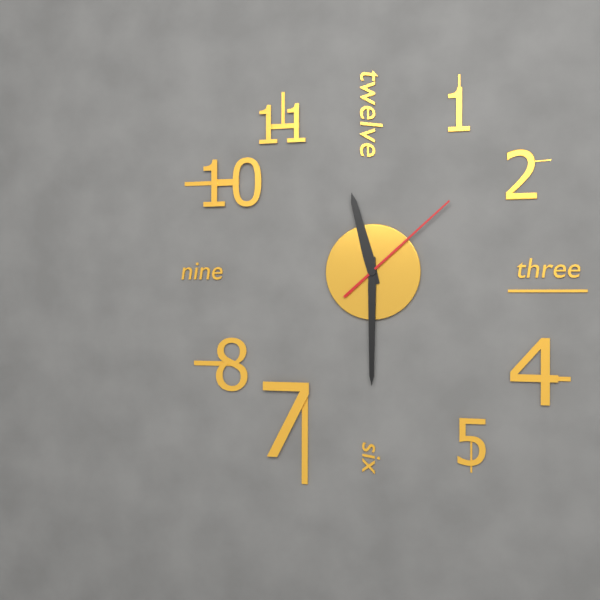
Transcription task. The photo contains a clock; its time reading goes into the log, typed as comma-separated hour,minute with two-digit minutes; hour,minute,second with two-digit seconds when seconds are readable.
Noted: 11,30,08
